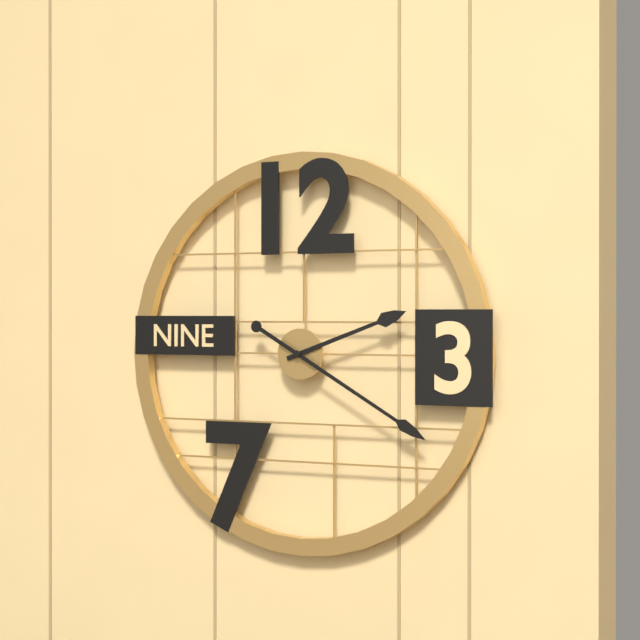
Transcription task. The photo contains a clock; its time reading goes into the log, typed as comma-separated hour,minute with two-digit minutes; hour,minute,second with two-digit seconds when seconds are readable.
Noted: 2,20
